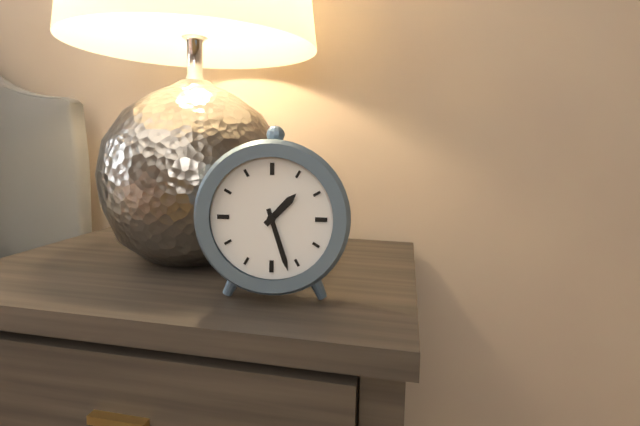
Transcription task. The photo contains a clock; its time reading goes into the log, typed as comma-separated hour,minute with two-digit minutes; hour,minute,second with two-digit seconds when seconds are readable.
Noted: 1,27
